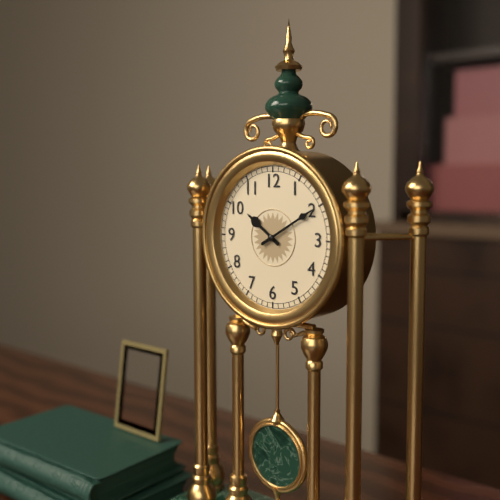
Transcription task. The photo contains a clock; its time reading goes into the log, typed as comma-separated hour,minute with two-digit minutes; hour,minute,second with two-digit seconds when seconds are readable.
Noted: 10,10
